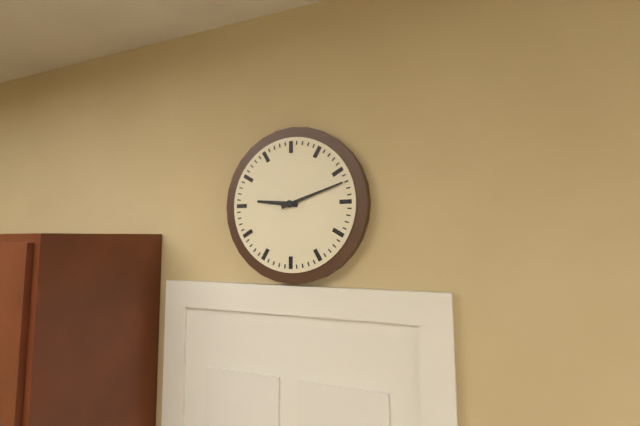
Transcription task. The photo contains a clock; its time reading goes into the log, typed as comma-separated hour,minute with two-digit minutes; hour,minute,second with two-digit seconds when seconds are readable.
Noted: 9,12
